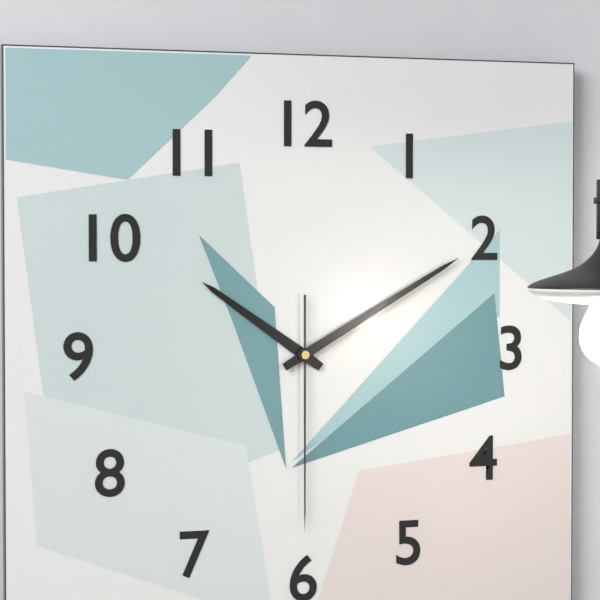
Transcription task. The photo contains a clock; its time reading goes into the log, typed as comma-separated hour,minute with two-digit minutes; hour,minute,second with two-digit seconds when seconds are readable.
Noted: 10,10,30
